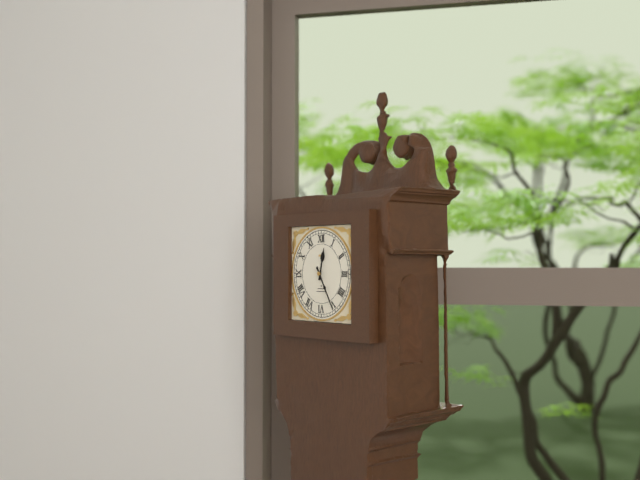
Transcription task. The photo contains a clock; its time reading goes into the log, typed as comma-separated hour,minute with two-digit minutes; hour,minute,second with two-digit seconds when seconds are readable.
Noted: 12,25
